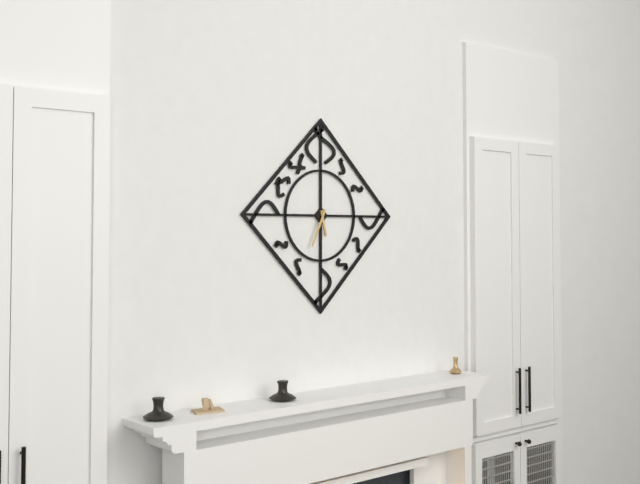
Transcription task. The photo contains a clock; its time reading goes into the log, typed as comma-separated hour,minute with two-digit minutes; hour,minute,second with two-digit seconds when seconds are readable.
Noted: 5,34
